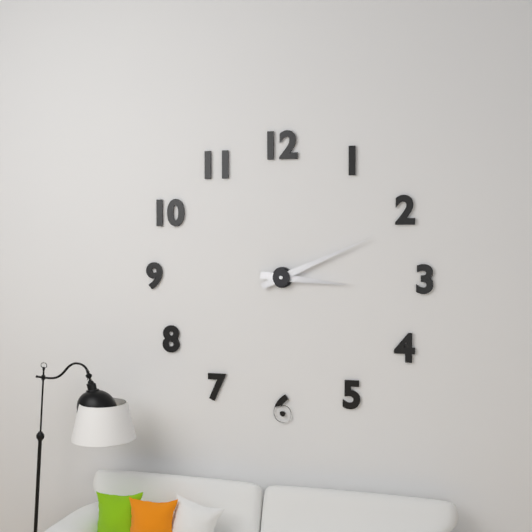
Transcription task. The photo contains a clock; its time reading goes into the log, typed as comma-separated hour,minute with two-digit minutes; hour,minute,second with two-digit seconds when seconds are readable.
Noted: 3,11
